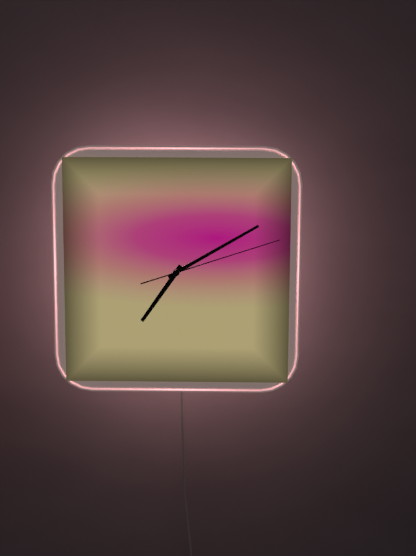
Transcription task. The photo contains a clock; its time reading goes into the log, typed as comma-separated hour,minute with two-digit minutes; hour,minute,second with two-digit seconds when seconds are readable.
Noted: 7,10,12
